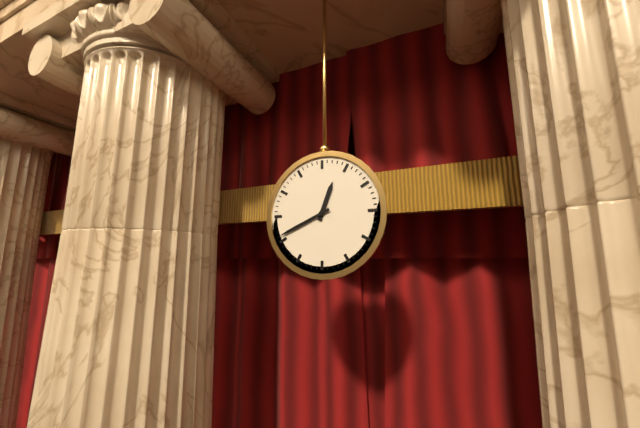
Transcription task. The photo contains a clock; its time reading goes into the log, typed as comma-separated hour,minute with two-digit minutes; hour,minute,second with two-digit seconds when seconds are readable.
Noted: 12,41
